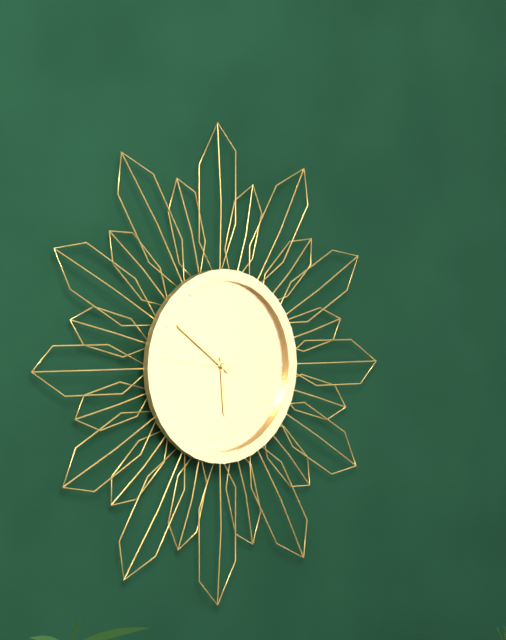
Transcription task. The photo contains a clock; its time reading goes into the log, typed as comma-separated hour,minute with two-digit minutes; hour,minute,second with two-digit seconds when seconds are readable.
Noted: 5,51,46
